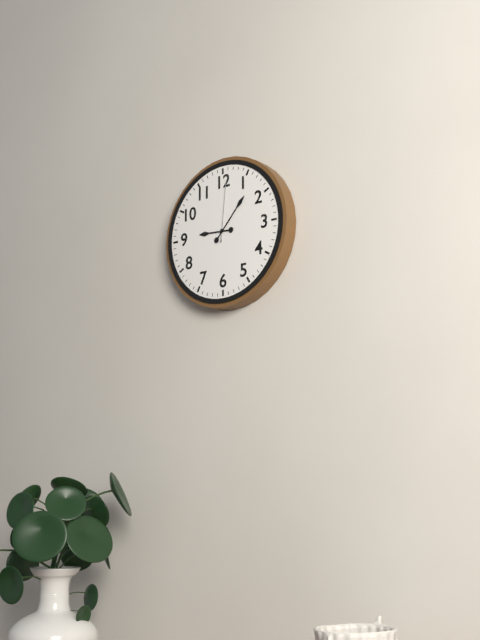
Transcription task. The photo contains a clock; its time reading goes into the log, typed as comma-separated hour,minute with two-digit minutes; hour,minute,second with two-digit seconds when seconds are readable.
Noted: 9,07,01
